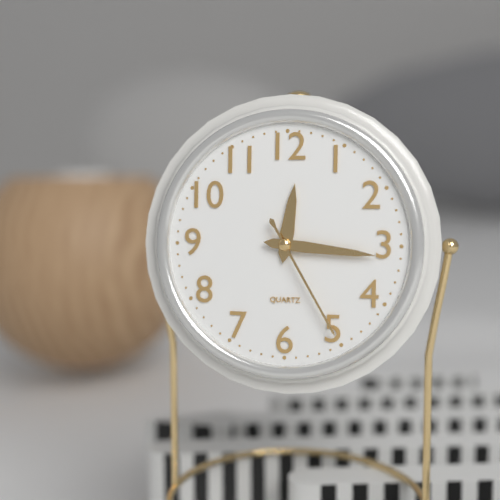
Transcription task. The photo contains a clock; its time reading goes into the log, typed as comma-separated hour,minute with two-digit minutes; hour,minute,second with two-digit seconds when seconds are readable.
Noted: 12,16,25
